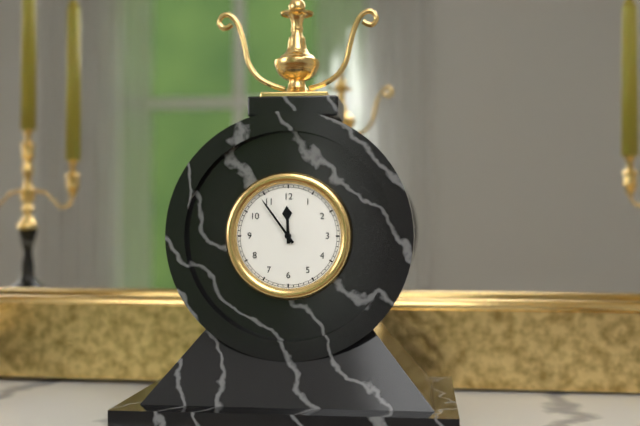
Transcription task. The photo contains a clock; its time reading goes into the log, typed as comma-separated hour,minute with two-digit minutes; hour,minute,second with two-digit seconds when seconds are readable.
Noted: 11,54
